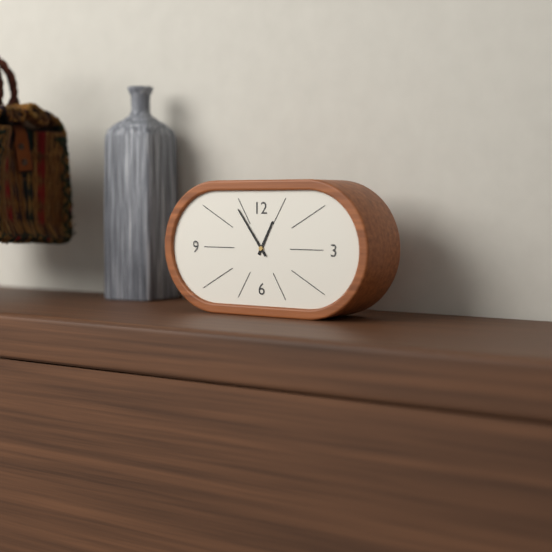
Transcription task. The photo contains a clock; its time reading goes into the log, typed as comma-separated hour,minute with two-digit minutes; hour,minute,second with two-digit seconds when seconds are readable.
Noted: 12,54
